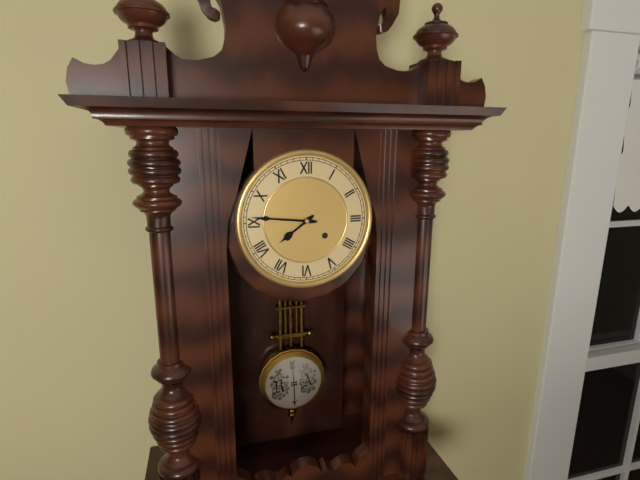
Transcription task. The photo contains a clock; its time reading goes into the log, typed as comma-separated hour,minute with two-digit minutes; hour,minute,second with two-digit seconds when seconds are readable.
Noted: 7,46
